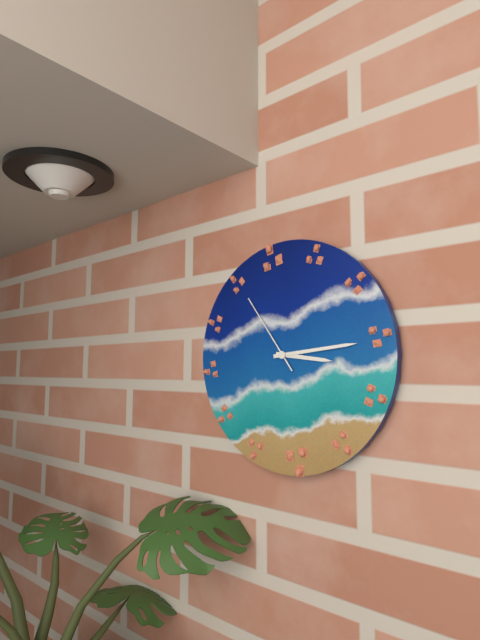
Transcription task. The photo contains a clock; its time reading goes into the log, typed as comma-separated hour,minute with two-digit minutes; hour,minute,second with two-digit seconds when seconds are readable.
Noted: 3,14,54
